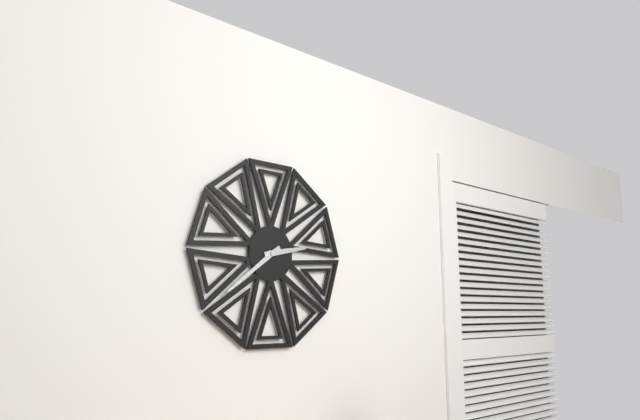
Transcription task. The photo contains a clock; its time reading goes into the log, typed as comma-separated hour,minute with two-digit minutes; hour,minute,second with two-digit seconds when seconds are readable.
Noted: 2,39
